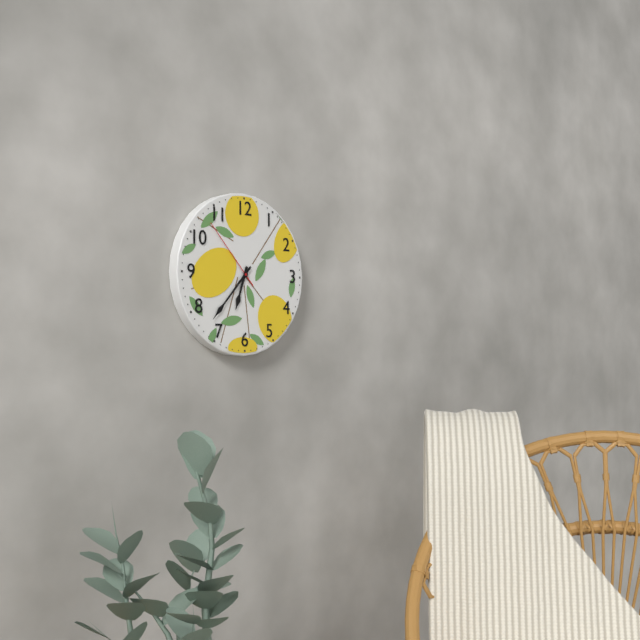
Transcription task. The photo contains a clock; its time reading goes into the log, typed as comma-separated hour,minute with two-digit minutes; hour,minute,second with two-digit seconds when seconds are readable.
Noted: 6,37,53
